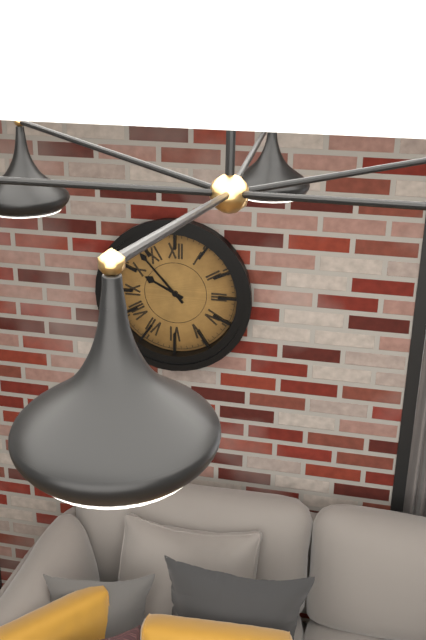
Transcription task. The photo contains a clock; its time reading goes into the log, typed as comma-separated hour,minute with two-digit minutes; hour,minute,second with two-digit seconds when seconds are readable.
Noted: 9,53
